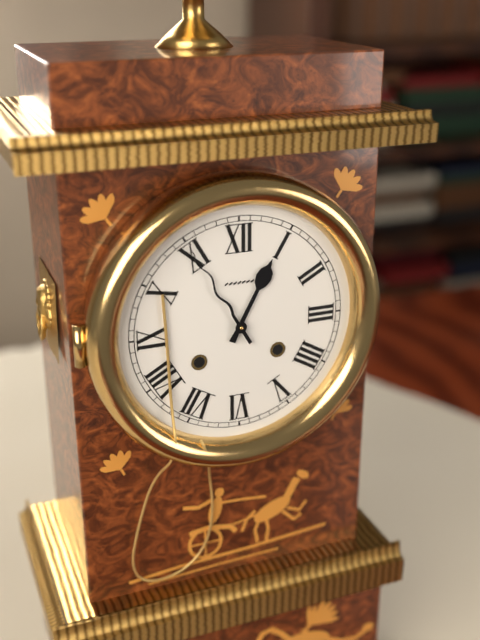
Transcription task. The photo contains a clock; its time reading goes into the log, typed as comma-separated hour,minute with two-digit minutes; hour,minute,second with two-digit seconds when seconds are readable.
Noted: 12,55
